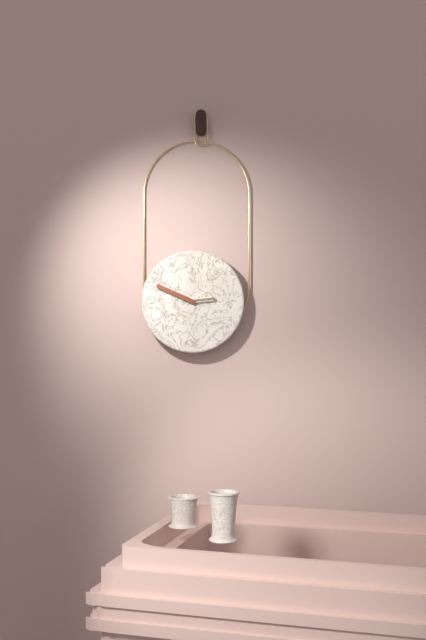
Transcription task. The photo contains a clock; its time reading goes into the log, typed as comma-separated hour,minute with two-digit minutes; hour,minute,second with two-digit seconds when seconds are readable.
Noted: 2,49
